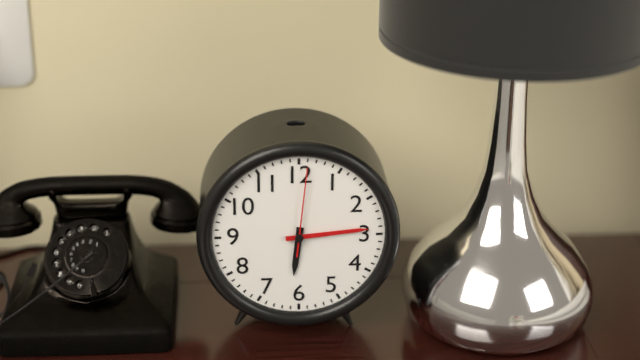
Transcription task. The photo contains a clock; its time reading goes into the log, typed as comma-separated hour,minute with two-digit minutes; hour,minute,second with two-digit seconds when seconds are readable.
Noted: 6,14,01
